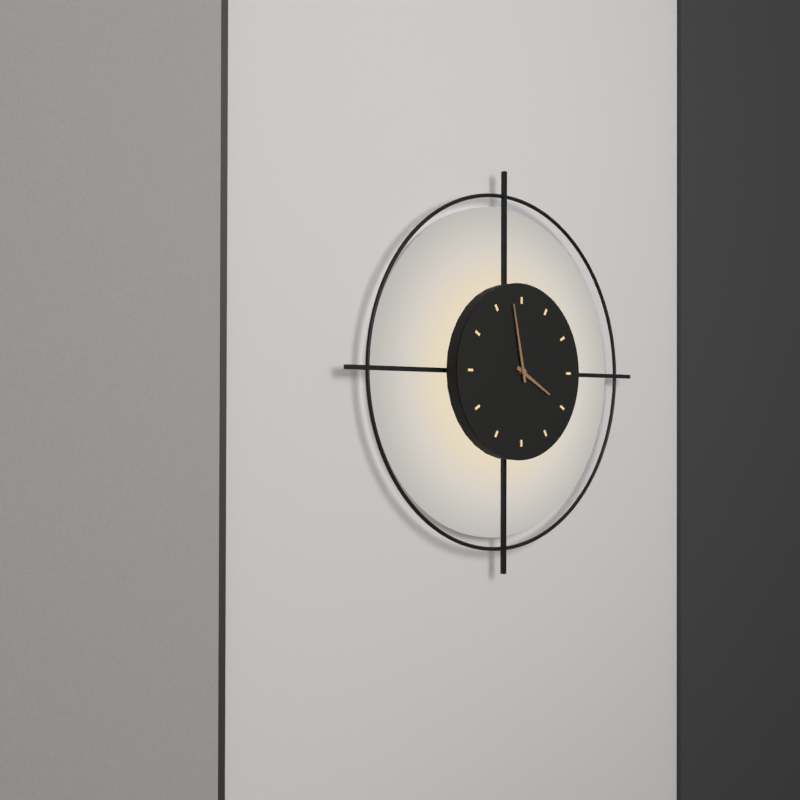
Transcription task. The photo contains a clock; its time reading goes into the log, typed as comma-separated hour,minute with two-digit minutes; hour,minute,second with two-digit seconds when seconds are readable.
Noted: 3,58
